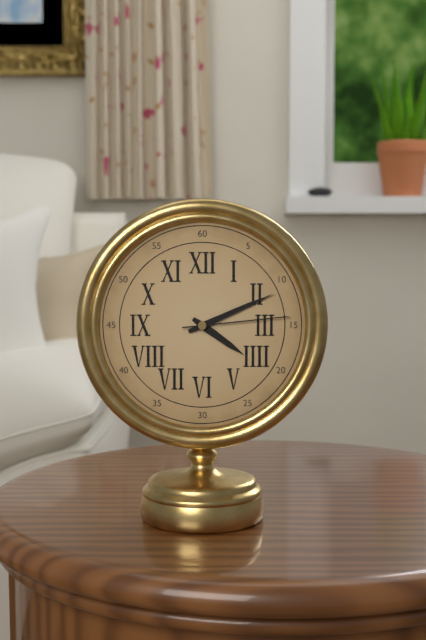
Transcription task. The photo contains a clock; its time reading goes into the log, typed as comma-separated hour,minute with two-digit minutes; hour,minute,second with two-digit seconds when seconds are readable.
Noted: 4,11,14
